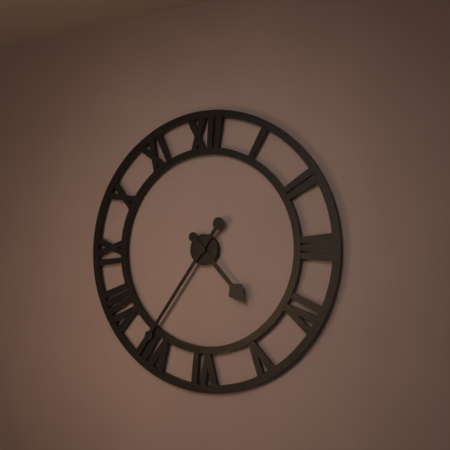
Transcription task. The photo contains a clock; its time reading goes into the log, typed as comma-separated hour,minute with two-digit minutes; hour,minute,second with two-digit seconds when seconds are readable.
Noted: 4,36
